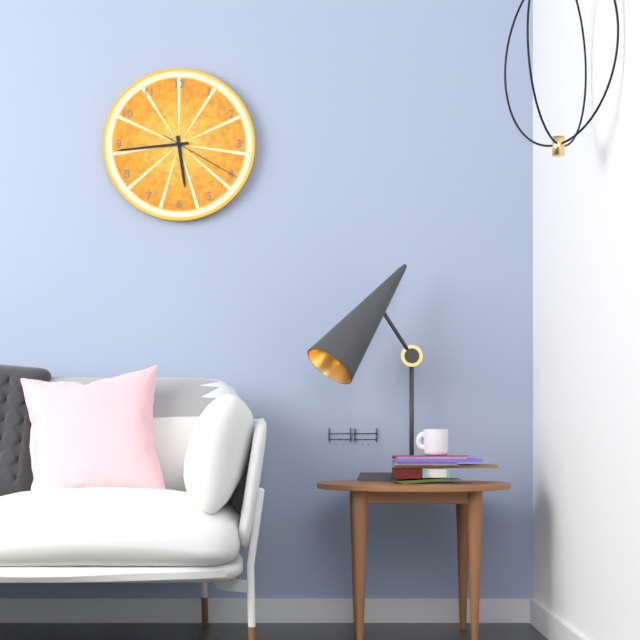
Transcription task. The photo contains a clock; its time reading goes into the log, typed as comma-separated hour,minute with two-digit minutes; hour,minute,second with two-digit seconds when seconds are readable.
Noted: 5,44,20
